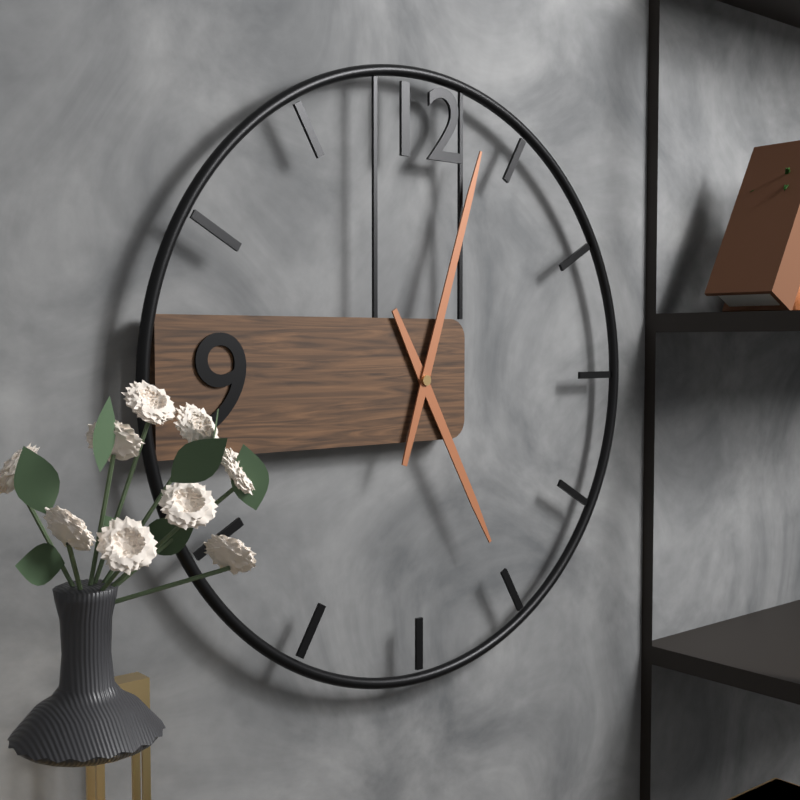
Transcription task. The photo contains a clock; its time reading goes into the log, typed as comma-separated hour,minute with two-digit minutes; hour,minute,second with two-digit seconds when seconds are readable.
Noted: 5,03
